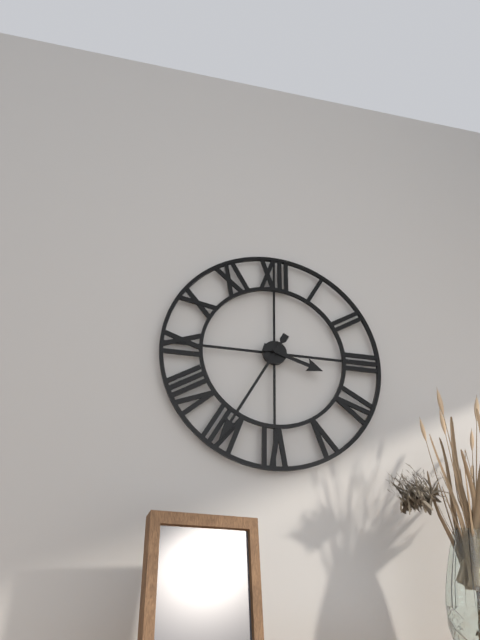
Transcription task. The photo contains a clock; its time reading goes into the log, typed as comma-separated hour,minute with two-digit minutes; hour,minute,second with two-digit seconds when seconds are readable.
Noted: 3,35
